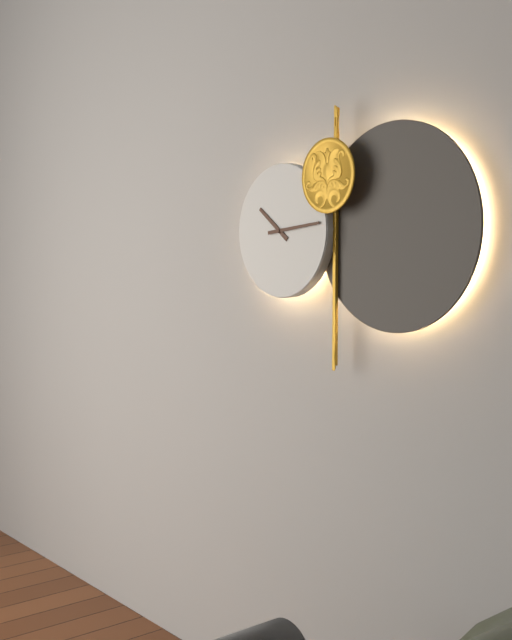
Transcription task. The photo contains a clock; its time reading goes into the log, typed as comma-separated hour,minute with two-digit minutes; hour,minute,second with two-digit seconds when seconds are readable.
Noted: 10,14
